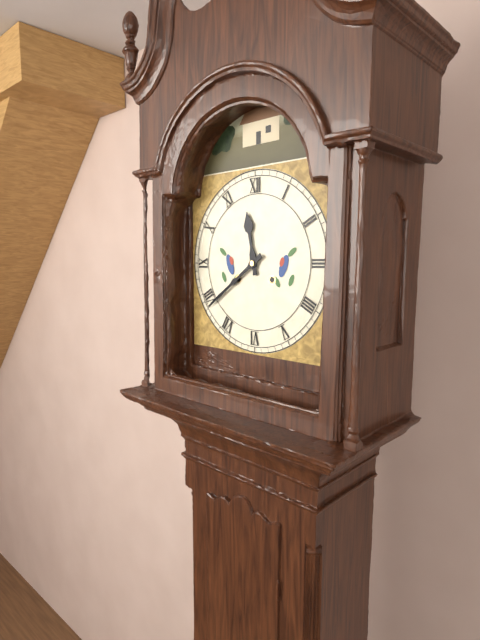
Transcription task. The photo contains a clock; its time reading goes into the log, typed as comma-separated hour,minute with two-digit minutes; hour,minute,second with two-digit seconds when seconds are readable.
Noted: 11,39
